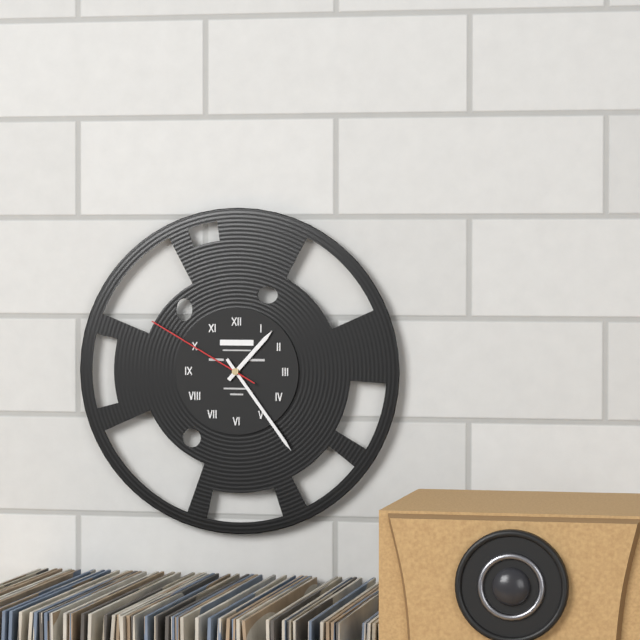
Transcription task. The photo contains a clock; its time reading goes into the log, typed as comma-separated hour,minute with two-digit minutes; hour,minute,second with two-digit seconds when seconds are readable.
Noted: 1,24,50
